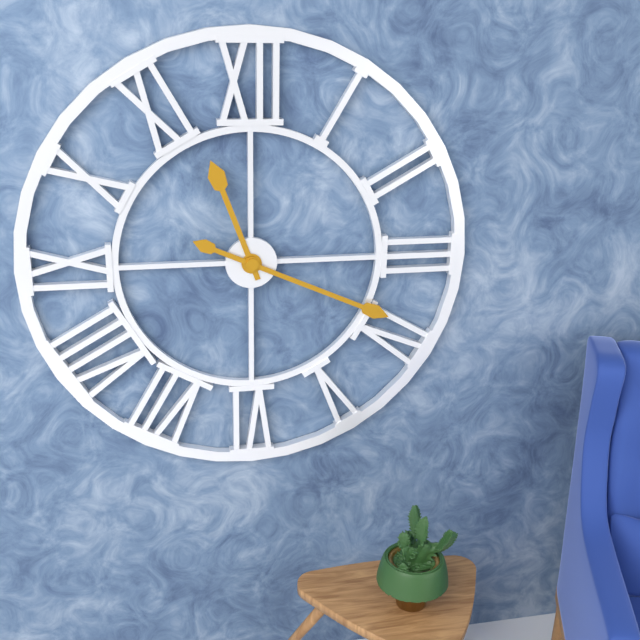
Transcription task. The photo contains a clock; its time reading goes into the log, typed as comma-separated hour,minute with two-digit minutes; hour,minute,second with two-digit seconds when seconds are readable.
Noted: 11,19
